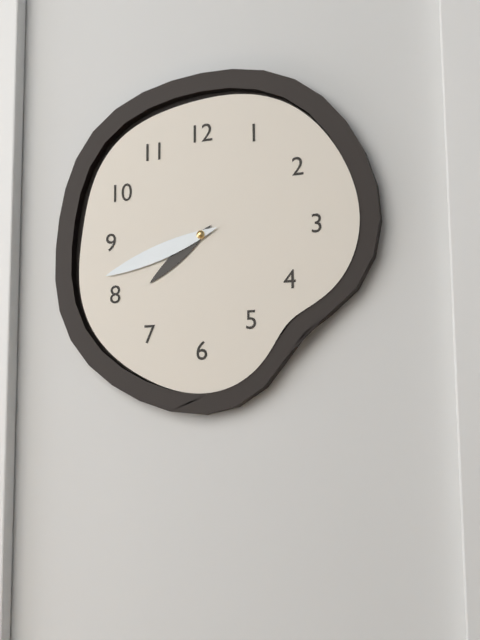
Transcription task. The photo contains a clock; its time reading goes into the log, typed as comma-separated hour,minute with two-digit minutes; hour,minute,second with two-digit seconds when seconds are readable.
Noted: 7,42
